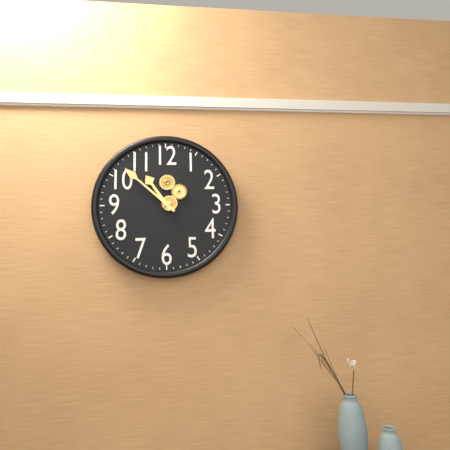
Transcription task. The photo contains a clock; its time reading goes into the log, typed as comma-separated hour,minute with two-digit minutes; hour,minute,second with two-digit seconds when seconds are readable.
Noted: 10,52
